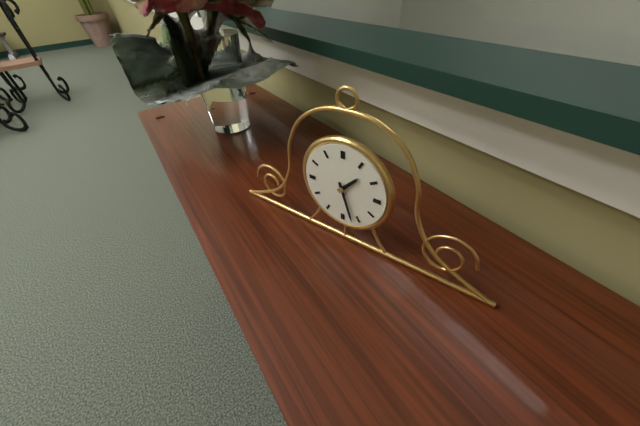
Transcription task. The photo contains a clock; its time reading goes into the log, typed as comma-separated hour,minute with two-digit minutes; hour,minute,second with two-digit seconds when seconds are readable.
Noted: 1,27
